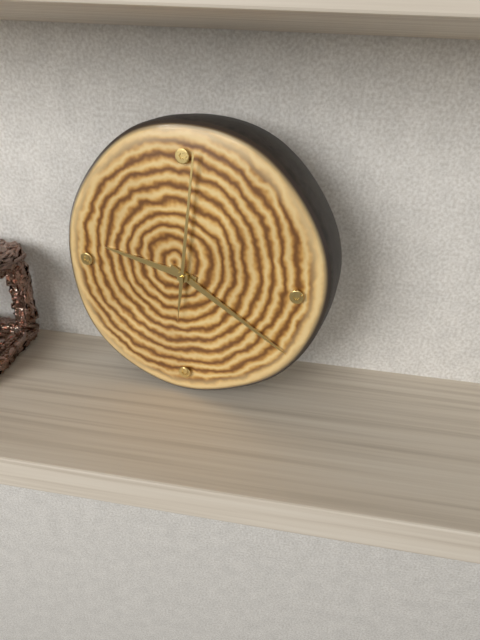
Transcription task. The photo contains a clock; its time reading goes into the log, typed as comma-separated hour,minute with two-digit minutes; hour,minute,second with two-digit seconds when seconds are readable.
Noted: 9,20,01
